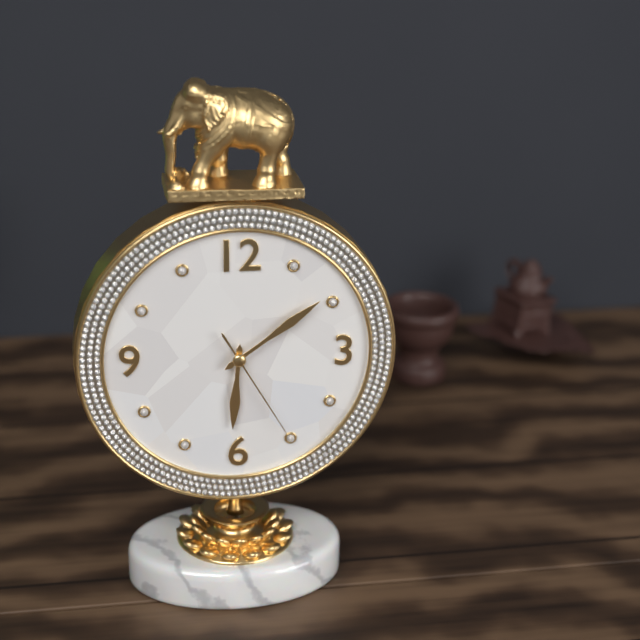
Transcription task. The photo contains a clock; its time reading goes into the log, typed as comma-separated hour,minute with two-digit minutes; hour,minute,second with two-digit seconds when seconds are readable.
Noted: 6,09,25
